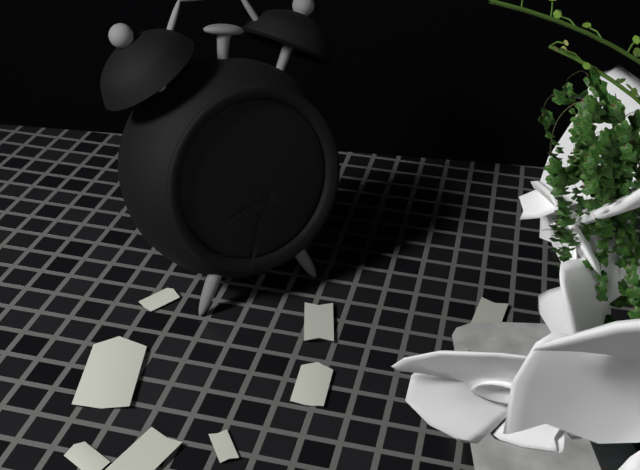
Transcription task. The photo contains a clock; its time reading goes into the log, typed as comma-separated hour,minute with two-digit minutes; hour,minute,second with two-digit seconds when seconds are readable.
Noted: 8,33
